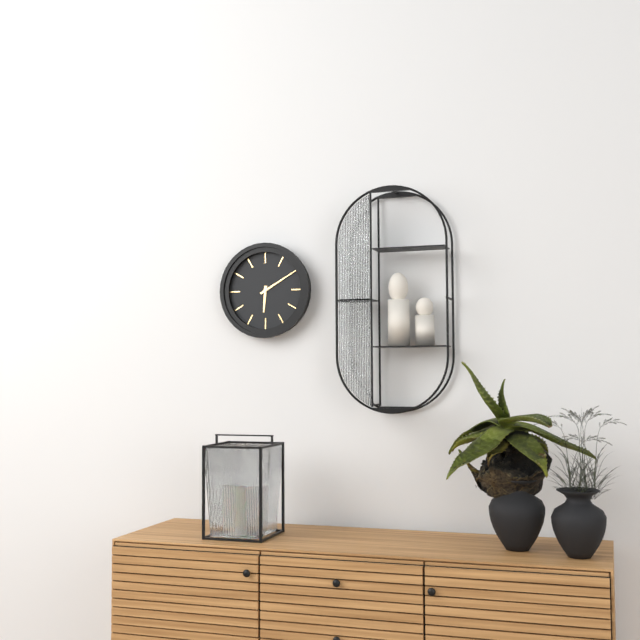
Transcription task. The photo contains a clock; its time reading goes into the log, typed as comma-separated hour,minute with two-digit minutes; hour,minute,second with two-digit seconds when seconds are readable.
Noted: 6,10
